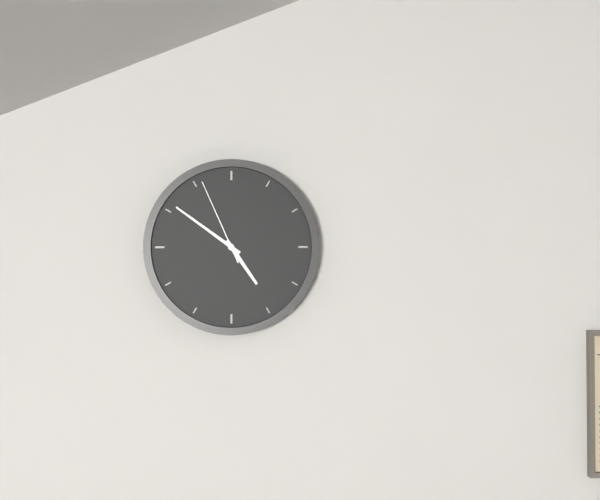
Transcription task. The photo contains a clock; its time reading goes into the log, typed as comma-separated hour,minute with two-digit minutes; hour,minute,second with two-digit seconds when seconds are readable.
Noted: 4,51,56
